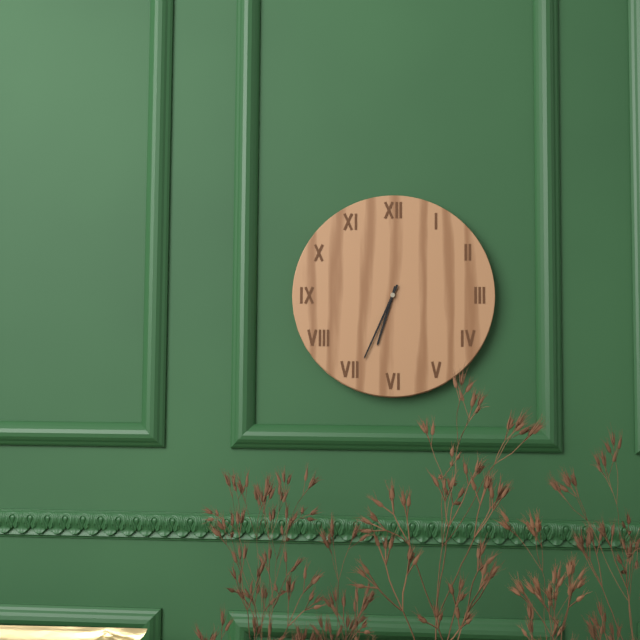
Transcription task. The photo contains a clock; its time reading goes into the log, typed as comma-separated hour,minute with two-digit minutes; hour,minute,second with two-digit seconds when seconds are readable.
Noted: 6,34
